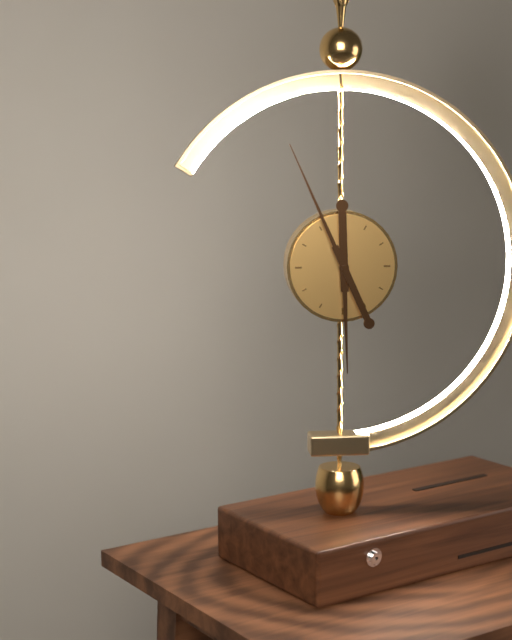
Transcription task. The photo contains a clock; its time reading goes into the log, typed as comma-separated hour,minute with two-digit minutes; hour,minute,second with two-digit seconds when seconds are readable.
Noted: 5,56
